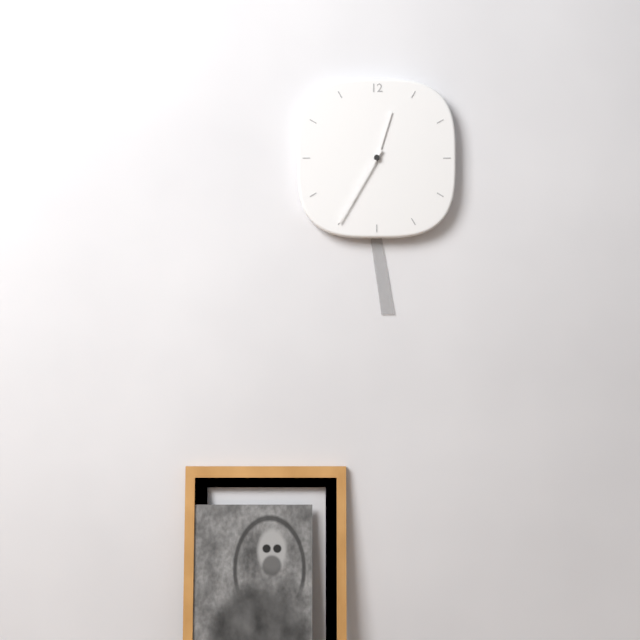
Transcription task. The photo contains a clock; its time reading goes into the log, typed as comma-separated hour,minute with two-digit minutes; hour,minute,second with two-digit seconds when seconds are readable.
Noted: 12,35
